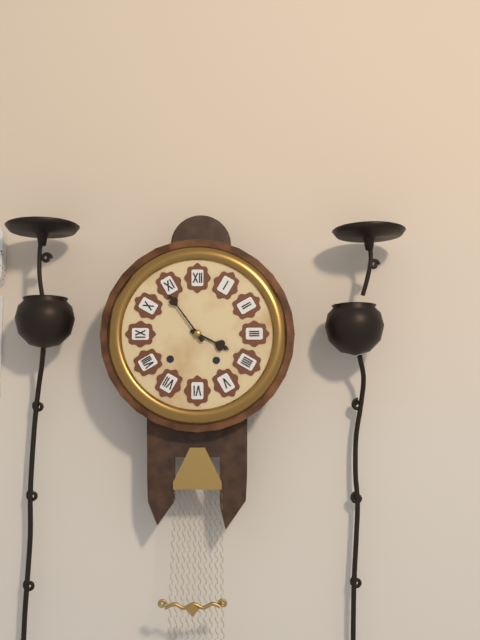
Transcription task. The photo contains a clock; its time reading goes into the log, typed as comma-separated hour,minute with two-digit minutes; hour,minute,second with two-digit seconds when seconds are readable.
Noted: 3,54
